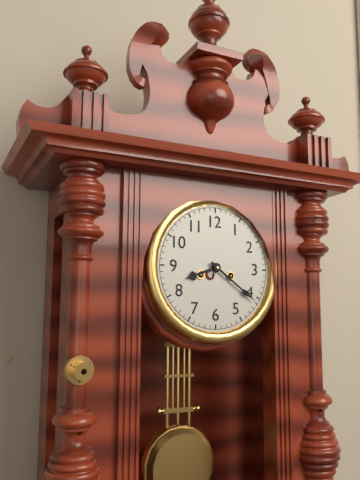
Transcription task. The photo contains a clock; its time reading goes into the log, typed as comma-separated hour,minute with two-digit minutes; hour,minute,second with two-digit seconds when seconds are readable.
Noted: 8,21
